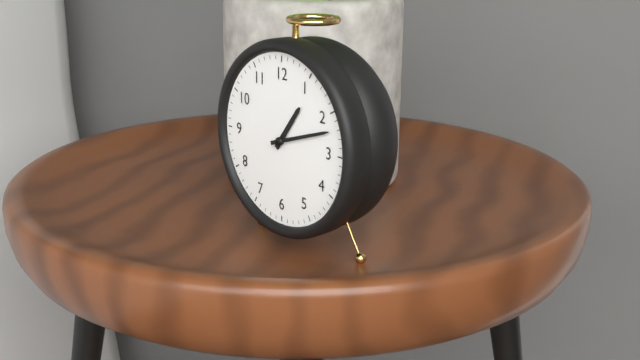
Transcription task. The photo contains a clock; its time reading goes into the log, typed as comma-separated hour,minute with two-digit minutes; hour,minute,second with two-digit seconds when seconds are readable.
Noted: 1,12
